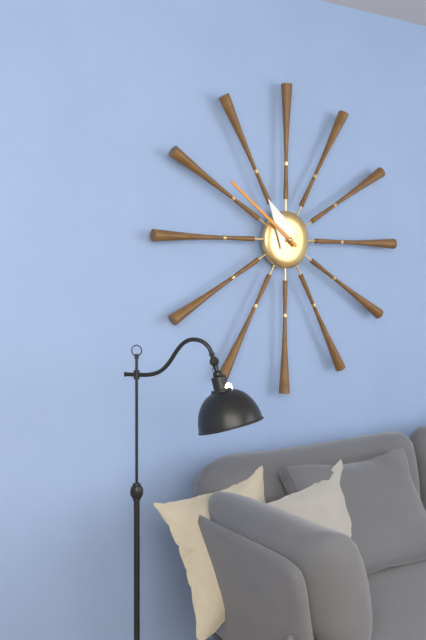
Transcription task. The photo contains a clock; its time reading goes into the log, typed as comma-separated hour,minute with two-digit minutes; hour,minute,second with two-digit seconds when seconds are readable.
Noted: 10,51
